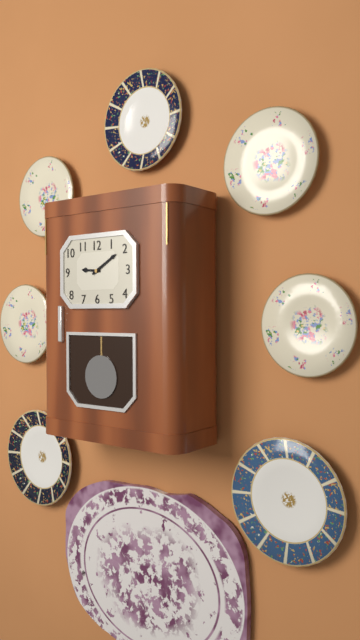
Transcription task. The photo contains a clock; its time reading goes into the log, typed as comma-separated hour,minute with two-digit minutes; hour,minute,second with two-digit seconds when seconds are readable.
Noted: 9,10
